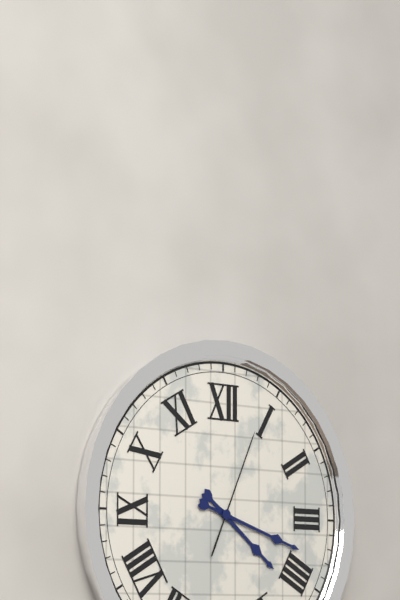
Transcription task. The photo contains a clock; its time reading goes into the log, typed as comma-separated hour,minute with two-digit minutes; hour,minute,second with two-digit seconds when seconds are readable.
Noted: 4,18,04
